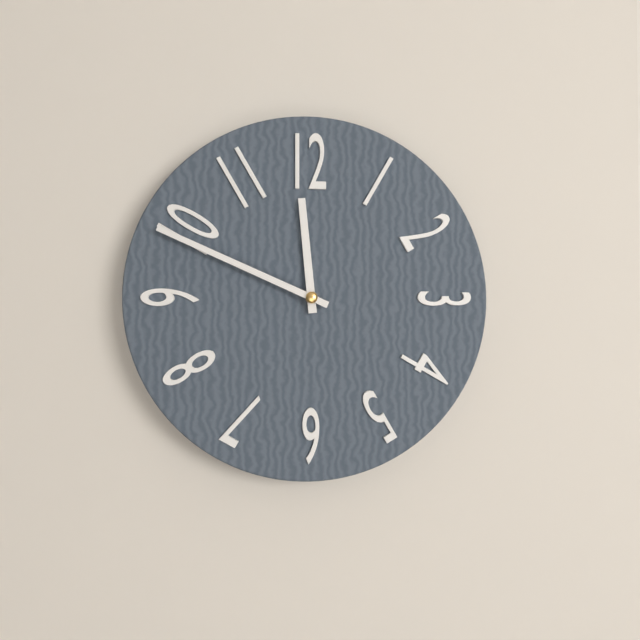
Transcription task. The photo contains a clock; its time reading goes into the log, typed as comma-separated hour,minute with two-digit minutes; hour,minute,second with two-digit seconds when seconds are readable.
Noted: 11,49
